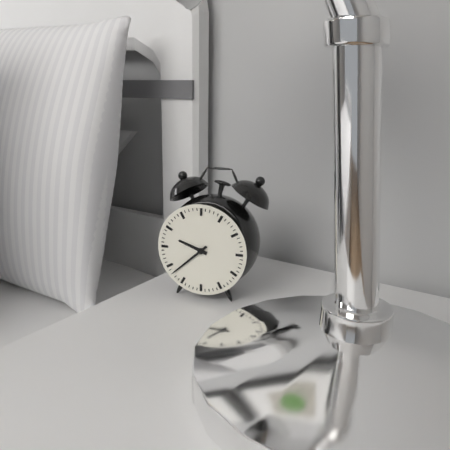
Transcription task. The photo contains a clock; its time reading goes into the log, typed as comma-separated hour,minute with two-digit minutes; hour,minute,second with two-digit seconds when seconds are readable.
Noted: 9,38
